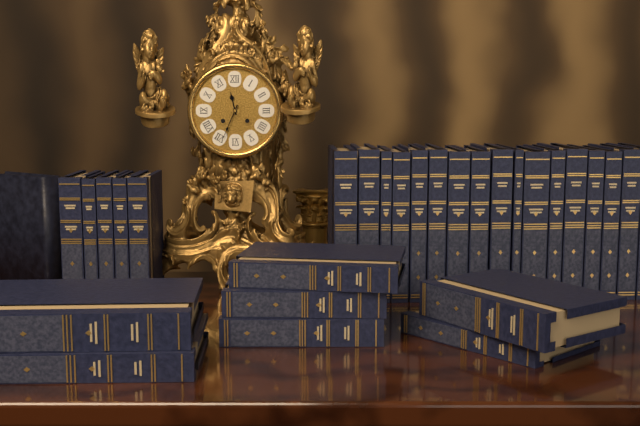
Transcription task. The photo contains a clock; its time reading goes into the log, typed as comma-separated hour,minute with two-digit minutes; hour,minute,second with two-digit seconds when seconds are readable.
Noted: 11,34
